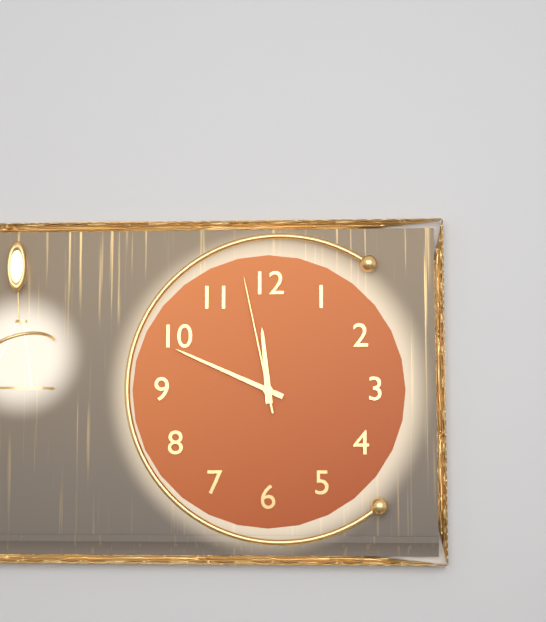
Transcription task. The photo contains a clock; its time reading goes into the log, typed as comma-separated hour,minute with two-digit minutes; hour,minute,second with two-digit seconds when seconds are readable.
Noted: 11,49,58
